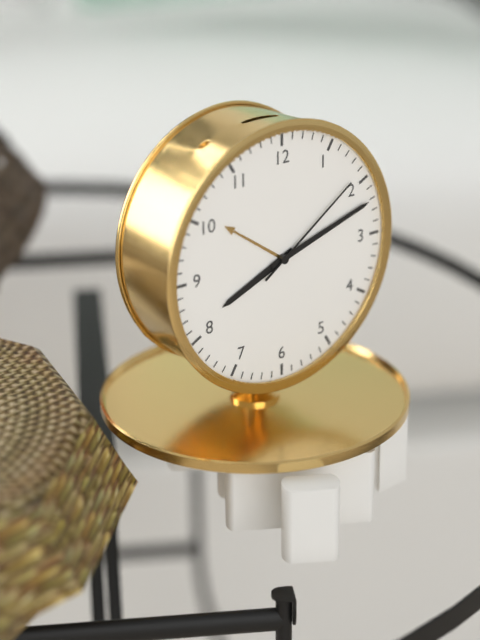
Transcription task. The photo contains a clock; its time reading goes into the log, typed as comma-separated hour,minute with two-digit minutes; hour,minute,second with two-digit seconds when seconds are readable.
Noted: 8,12,09
